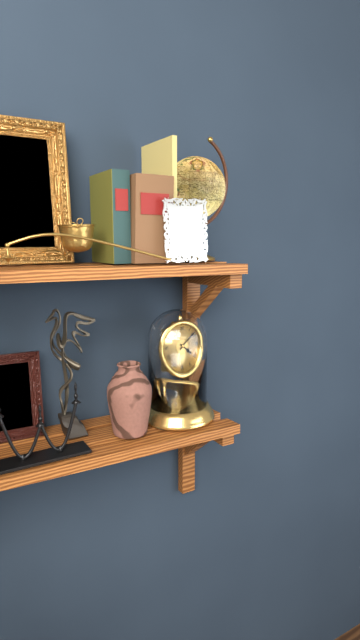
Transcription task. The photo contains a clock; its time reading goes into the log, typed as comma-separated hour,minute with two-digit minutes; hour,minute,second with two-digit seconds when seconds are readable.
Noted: 4,08
